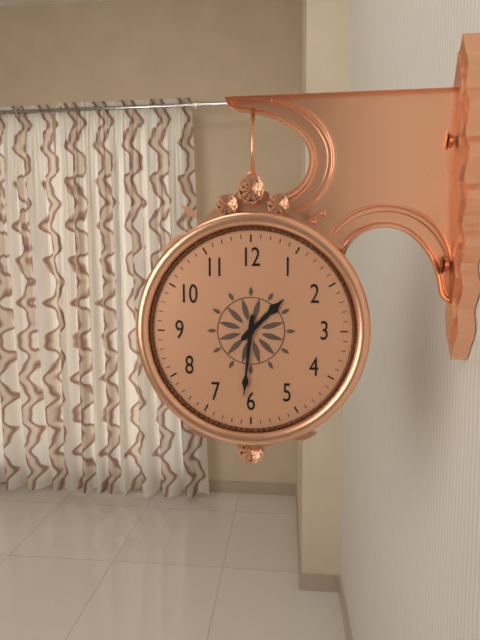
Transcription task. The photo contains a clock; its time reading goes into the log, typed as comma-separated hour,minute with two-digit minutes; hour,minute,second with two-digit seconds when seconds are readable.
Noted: 1,31
